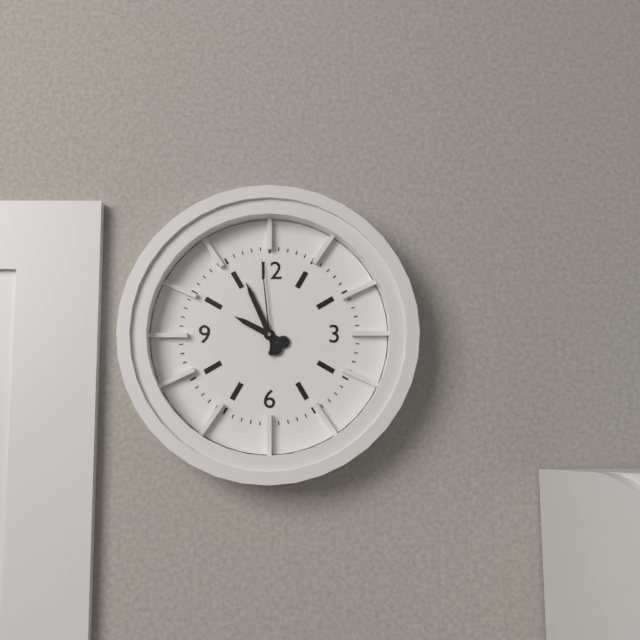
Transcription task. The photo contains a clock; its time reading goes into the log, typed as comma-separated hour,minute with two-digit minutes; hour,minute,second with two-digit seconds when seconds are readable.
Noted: 9,56,59
